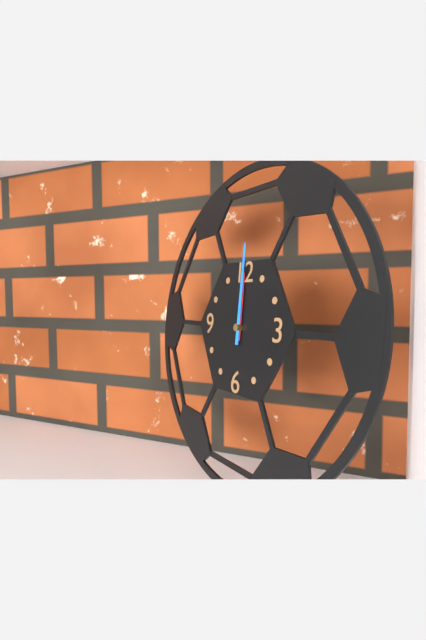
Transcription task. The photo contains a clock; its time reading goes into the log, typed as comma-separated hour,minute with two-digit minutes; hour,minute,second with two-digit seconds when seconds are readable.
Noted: 12,00
